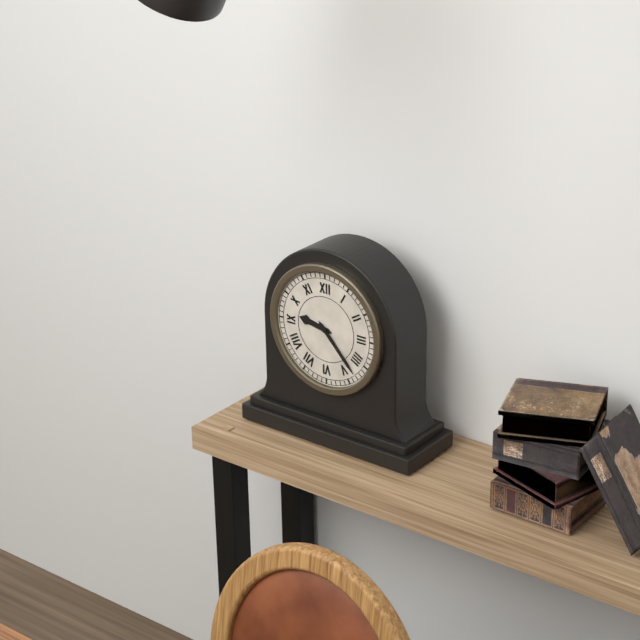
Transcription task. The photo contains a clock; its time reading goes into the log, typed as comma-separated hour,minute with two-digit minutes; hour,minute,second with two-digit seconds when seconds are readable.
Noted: 9,23
